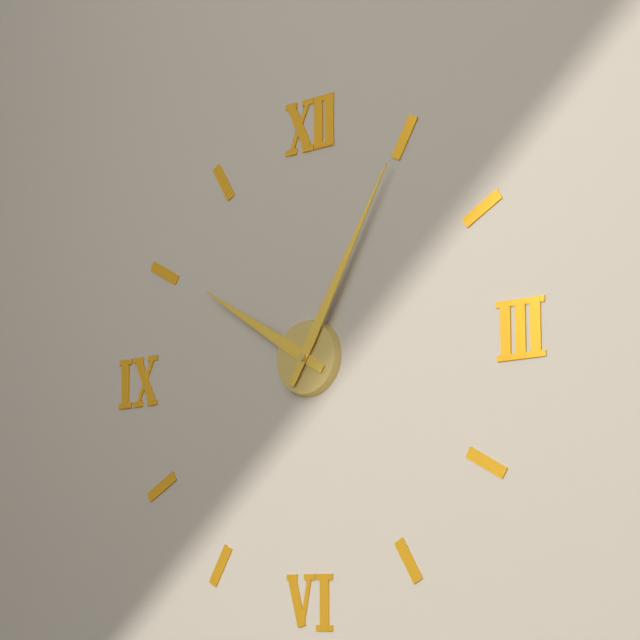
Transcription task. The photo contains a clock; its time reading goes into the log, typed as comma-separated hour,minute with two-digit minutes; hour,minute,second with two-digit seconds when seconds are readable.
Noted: 10,05
